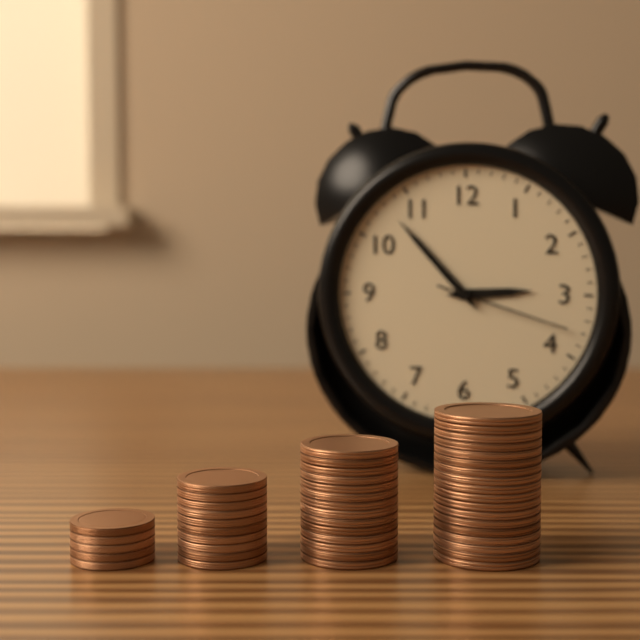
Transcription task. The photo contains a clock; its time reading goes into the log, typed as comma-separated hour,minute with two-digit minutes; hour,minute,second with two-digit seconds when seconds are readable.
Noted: 2,53,18
